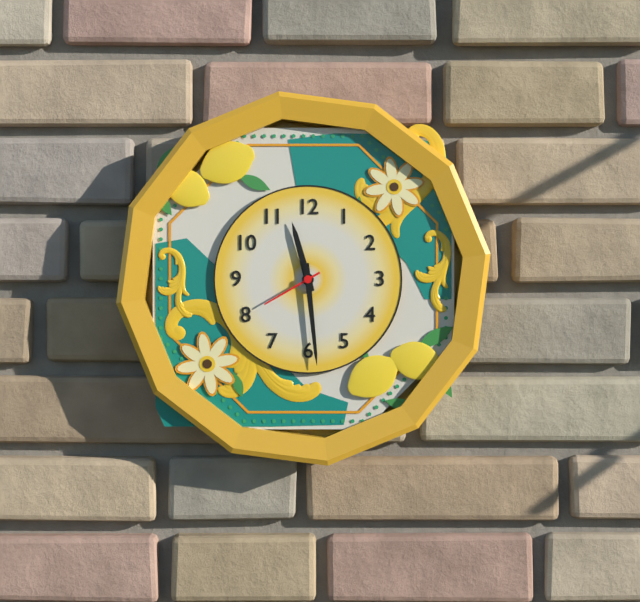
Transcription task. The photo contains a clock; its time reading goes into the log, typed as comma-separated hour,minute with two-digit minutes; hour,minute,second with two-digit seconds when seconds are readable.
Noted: 11,29,40
